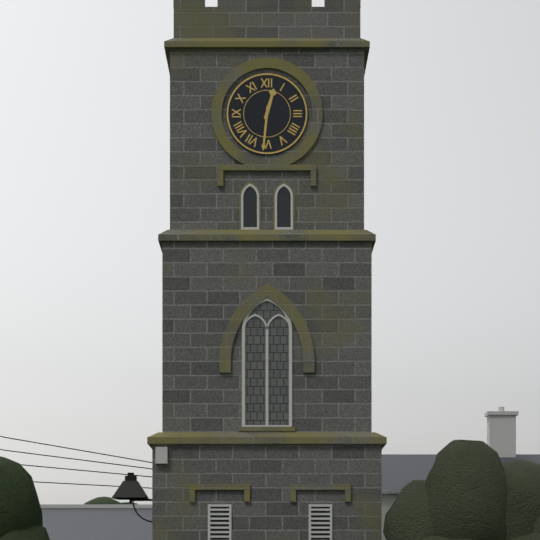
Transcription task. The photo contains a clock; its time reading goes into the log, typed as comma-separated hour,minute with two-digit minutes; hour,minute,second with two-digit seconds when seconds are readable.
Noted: 12,31
